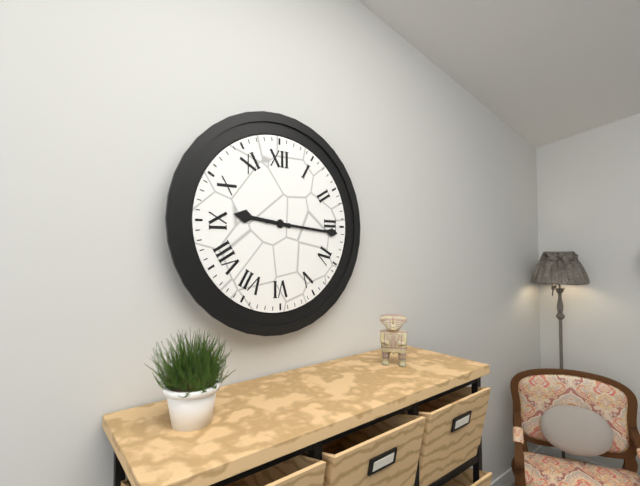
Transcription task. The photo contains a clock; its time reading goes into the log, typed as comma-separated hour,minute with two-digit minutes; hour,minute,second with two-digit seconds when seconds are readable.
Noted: 9,16
